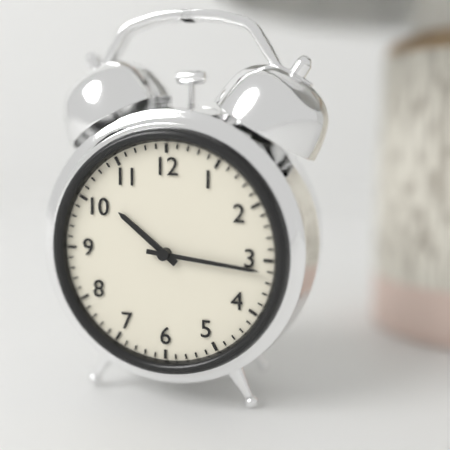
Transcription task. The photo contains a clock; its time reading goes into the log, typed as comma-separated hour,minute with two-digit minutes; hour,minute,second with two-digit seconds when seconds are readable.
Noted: 10,16
